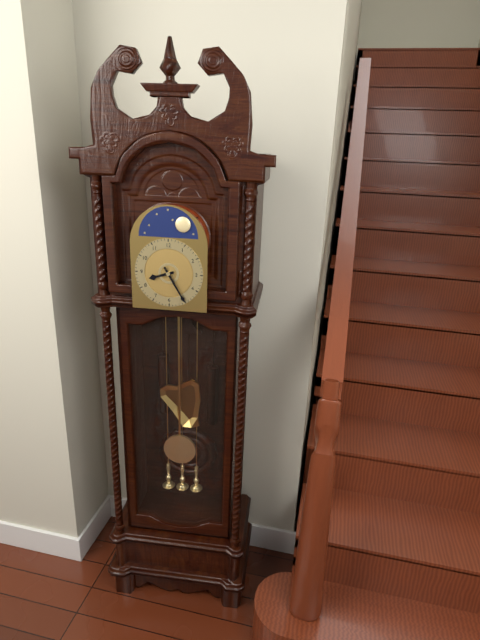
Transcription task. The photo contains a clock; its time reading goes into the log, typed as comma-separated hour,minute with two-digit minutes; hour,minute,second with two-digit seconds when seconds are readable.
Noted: 8,25
